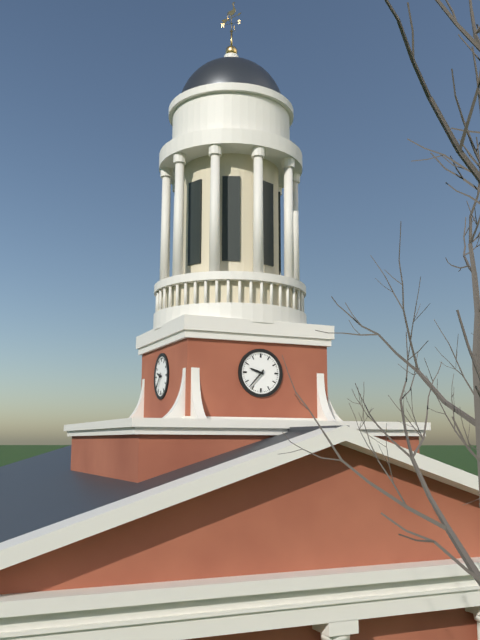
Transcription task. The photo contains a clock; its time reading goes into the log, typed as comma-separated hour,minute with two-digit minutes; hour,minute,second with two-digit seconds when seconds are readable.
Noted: 9,37
